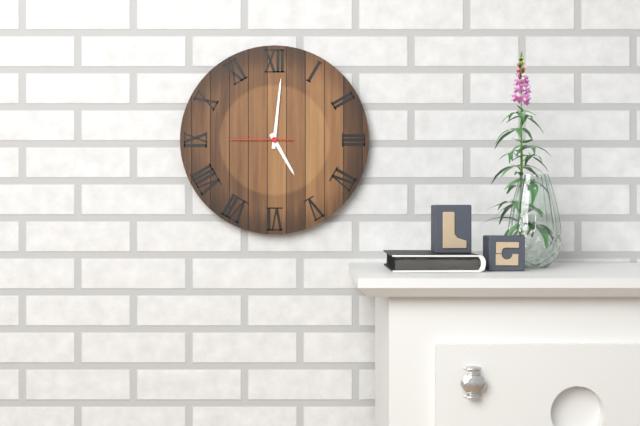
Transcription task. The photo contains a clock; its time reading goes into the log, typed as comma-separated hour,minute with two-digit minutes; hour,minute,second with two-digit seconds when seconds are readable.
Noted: 5,01,45
